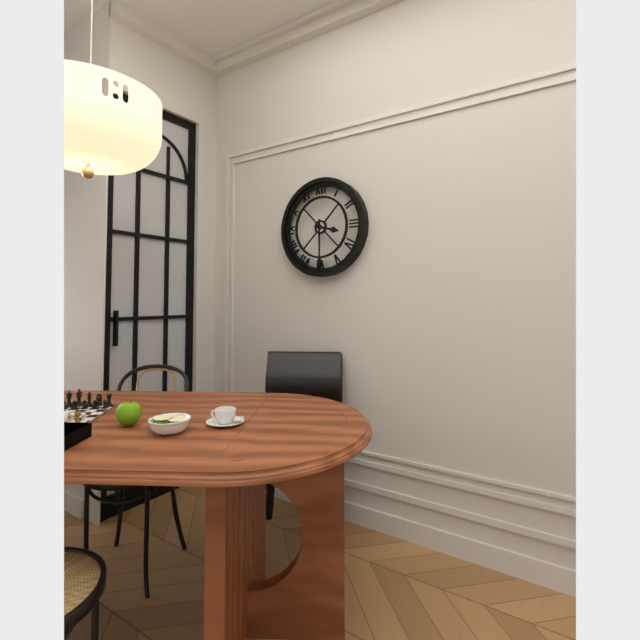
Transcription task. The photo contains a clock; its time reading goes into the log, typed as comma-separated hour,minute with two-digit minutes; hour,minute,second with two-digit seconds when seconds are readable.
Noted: 3,30
